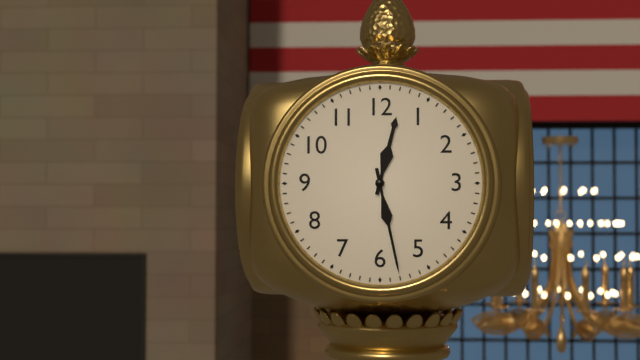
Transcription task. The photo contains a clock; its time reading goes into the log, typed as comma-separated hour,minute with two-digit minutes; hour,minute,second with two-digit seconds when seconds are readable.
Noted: 12,28
